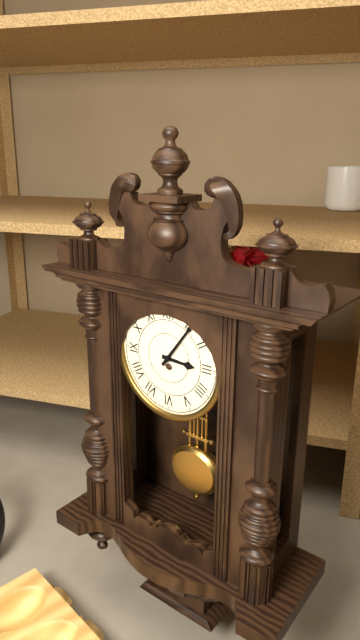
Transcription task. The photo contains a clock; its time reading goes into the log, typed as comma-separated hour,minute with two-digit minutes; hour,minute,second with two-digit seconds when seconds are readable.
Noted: 3,06
